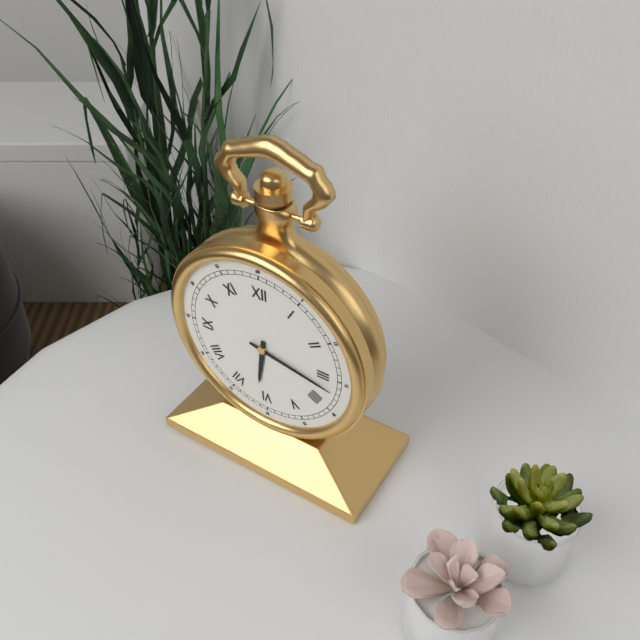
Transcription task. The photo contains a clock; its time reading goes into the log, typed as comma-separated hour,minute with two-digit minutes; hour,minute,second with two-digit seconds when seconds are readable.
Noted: 6,17
